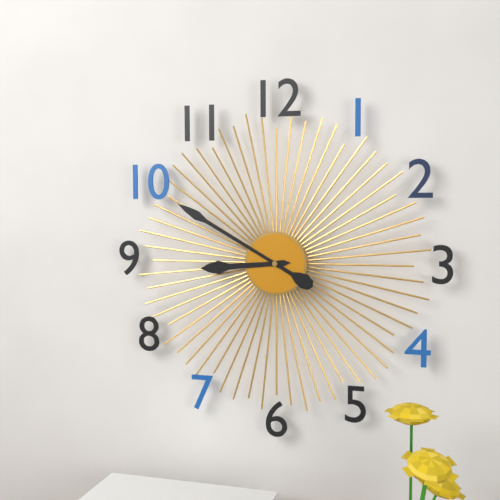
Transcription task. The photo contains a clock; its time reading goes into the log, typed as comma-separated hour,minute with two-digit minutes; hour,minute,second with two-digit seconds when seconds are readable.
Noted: 8,50
